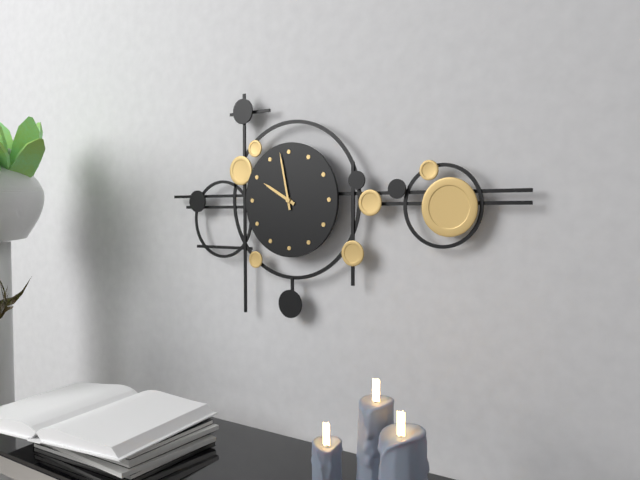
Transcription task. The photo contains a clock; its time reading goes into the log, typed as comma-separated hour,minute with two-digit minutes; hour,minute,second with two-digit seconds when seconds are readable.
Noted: 9,58
